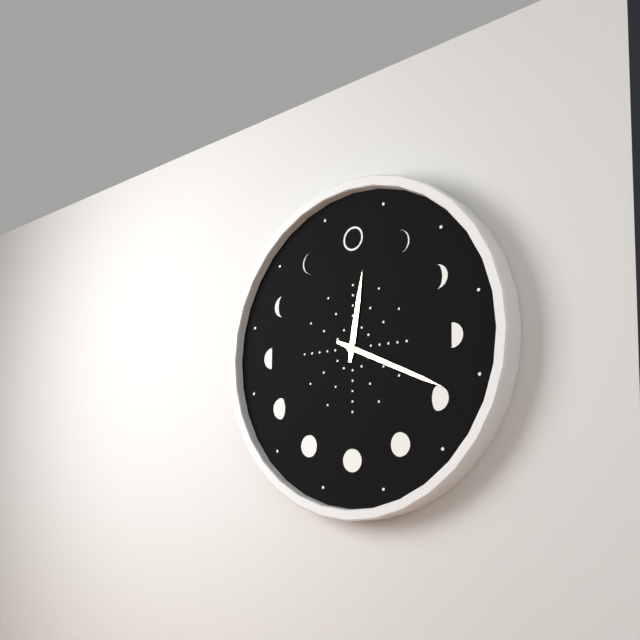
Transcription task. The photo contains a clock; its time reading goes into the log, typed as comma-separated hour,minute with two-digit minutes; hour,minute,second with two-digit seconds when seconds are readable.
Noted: 12,19
